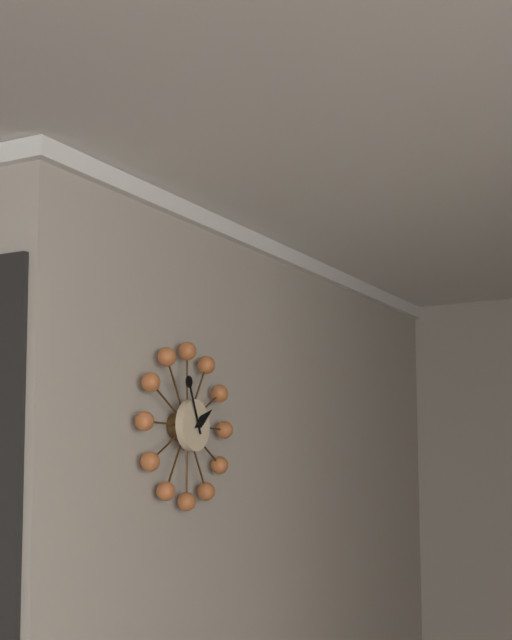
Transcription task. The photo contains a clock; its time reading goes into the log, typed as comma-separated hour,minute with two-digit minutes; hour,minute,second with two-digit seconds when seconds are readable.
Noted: 1,56
